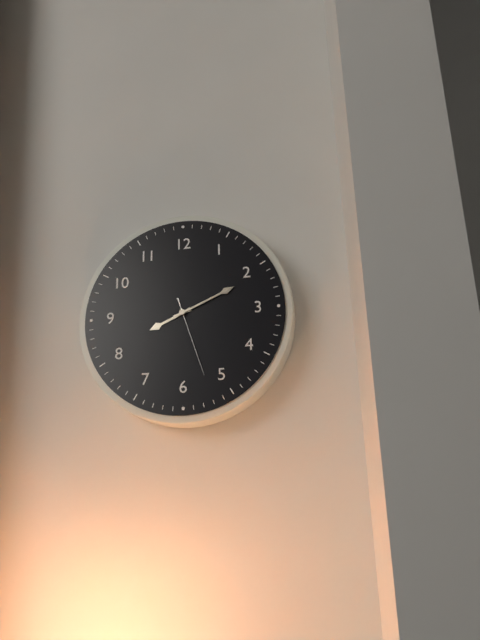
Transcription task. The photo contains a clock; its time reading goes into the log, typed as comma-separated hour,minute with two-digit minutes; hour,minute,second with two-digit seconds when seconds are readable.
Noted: 8,11,27
